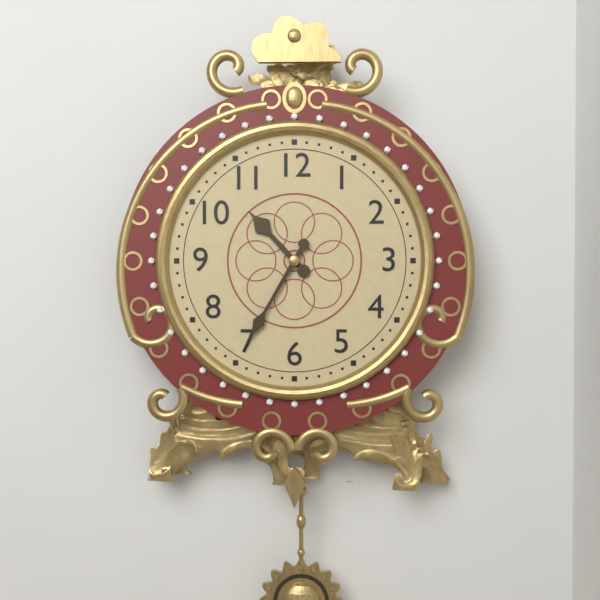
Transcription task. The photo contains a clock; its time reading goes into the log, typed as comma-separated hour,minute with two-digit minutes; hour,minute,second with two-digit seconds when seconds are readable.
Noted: 10,35
